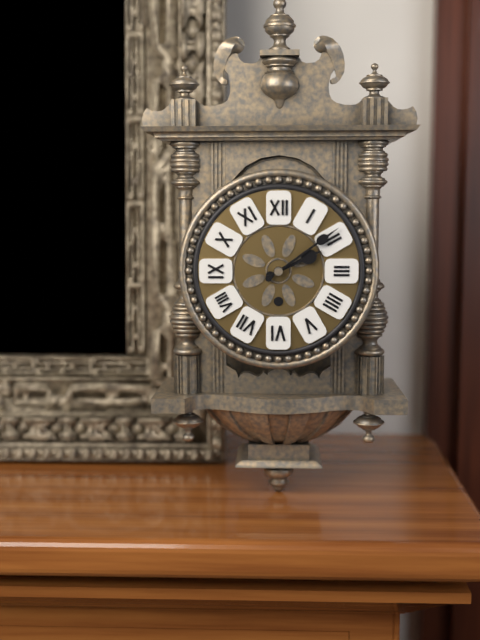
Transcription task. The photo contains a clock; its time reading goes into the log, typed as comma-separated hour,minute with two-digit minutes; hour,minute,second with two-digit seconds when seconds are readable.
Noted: 2,09
